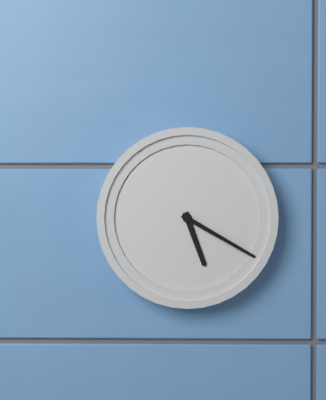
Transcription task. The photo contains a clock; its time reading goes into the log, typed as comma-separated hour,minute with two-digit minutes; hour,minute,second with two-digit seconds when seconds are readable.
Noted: 5,20
